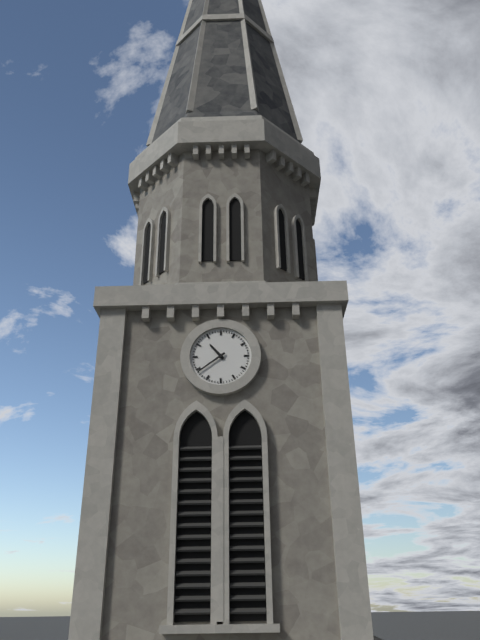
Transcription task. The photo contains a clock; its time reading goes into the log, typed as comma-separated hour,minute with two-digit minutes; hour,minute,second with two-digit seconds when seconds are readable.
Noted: 10,39
